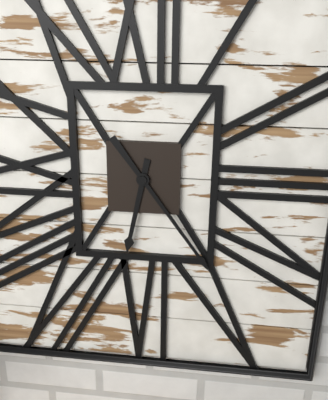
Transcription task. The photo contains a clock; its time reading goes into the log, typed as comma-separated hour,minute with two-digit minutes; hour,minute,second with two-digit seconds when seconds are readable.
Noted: 6,24
